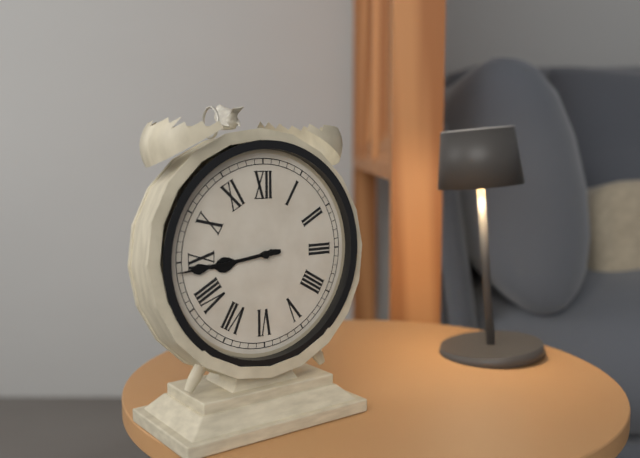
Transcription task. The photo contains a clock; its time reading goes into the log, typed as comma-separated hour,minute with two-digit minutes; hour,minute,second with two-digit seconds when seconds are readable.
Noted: 8,44
